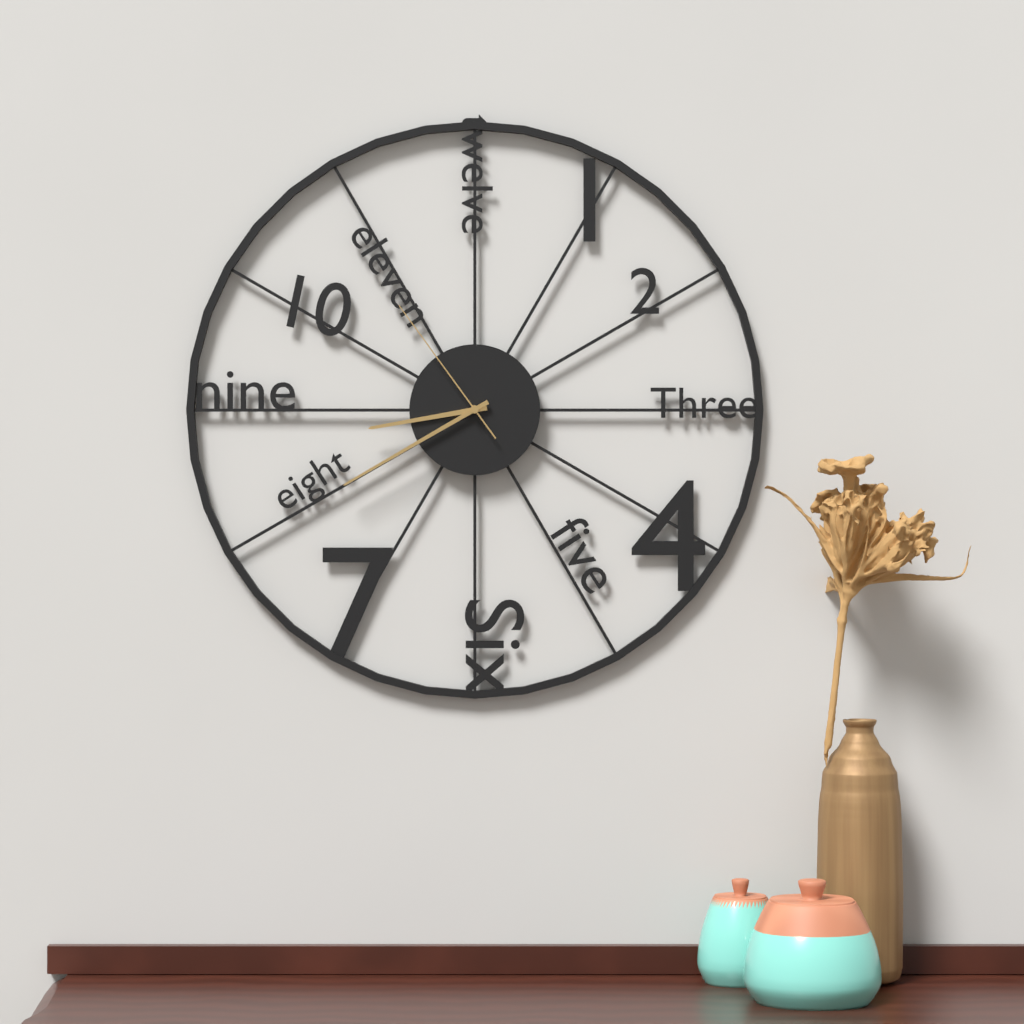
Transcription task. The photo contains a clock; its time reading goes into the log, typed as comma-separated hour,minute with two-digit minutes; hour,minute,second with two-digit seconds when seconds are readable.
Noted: 8,40,54
